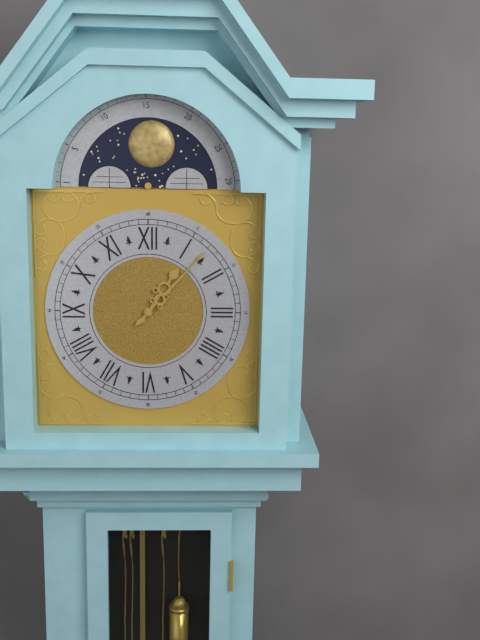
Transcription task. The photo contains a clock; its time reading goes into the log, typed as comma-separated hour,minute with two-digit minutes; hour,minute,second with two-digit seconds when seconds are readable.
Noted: 1,07
